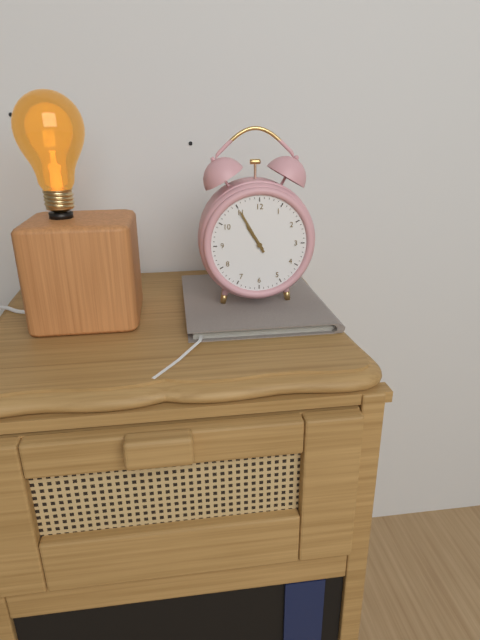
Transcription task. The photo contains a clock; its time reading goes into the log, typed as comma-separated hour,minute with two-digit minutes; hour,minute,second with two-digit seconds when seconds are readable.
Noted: 10,55
